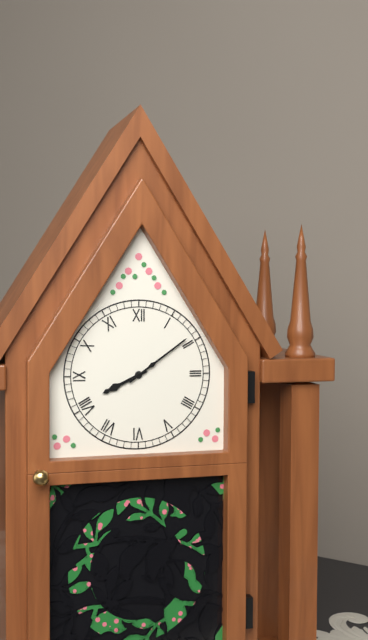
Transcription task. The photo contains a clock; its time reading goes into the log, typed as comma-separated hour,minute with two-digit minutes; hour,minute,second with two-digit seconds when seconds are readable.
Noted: 8,09
